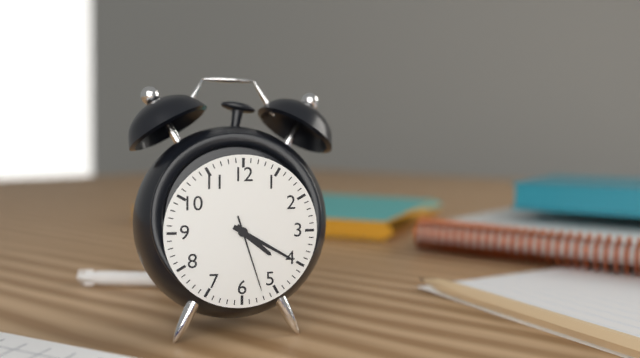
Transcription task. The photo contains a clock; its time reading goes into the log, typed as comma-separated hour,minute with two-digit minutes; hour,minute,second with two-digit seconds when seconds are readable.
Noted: 4,20,27
